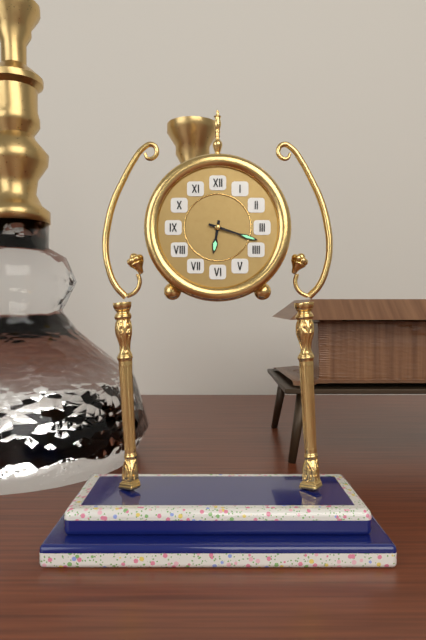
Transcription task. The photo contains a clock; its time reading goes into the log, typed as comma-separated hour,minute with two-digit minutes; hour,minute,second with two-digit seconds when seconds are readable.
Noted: 6,18
